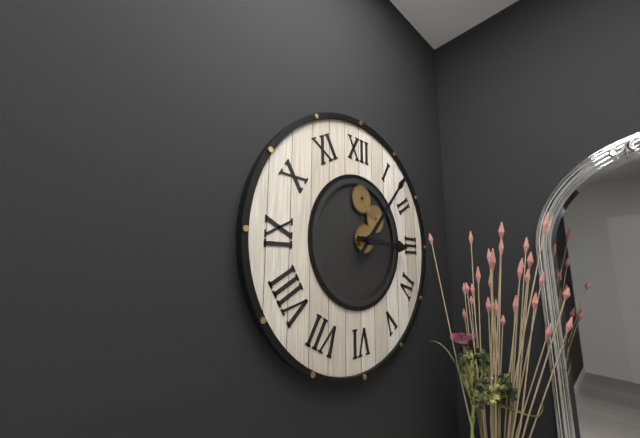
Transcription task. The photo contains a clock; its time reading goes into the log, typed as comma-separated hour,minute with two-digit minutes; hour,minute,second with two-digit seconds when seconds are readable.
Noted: 3,07
